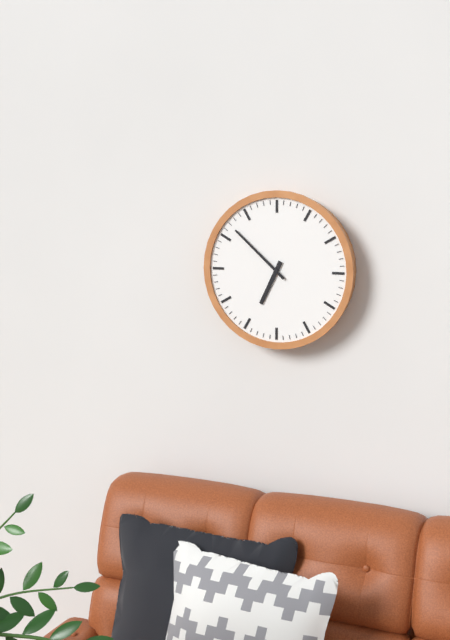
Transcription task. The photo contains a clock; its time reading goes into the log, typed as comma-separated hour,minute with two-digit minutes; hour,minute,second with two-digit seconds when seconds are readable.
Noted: 6,52
